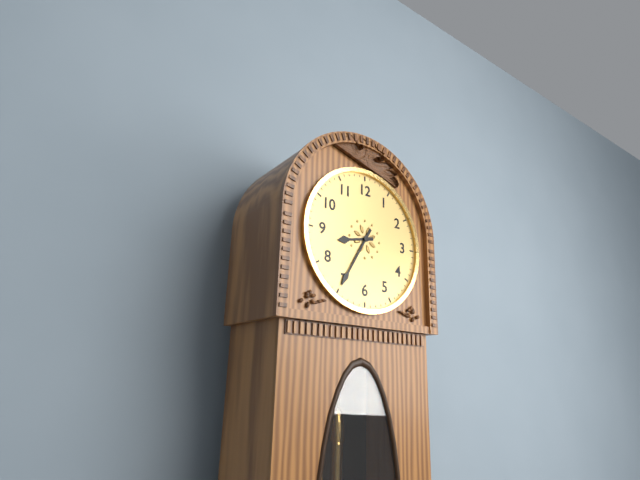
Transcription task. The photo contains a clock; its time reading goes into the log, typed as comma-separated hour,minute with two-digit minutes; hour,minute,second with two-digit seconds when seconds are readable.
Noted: 8,35
